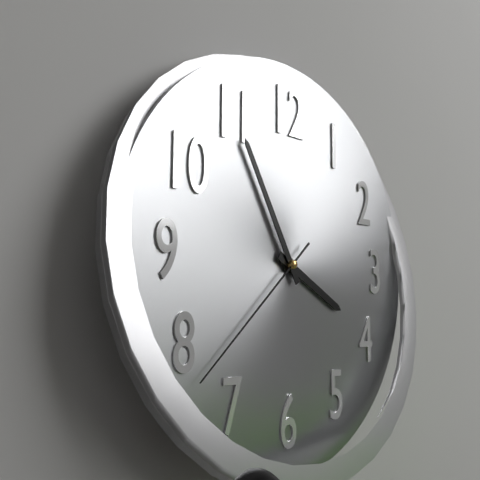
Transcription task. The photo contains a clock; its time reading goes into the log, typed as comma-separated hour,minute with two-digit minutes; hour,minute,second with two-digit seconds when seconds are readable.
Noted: 3,55,38
